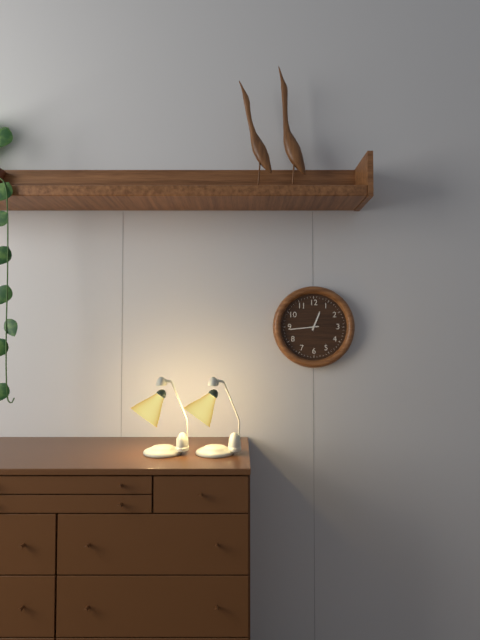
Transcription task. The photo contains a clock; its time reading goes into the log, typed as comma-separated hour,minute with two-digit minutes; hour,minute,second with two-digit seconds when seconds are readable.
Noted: 12,44
